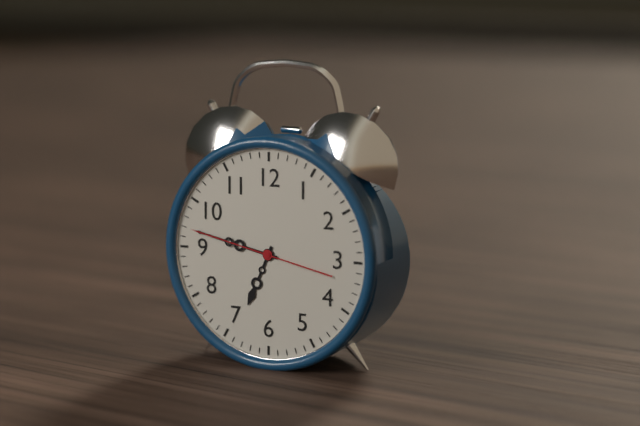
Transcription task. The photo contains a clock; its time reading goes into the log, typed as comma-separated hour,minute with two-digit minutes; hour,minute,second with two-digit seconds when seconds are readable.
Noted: 6,47,47
